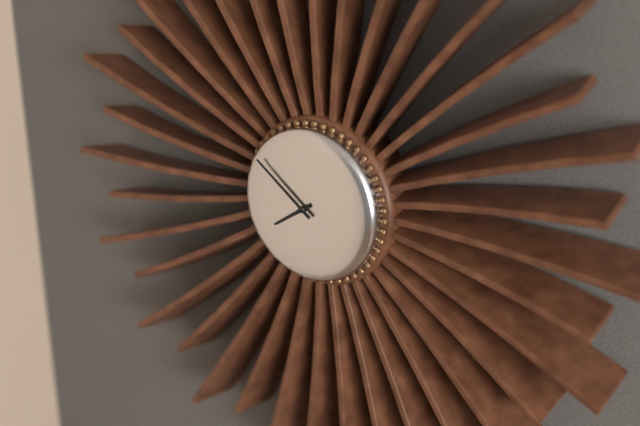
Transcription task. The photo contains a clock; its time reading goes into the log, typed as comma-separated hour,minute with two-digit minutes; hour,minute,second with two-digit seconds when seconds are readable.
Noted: 7,51
